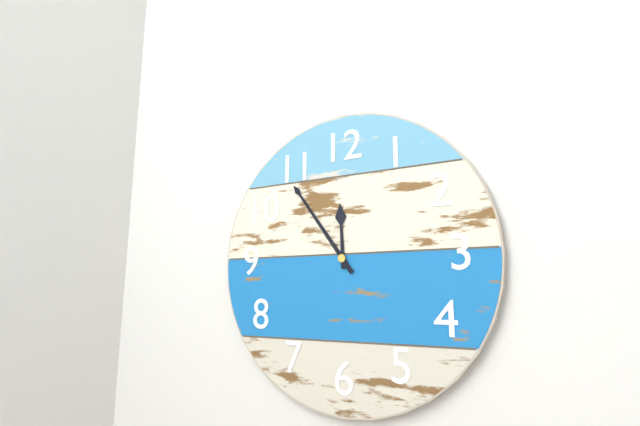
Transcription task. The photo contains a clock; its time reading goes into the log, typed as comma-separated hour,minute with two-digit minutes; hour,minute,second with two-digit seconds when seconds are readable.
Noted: 11,54
